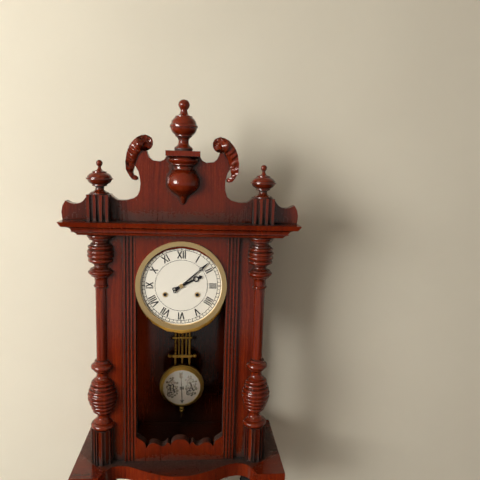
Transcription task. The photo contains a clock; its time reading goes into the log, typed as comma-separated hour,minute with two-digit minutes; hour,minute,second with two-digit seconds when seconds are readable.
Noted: 2,08
